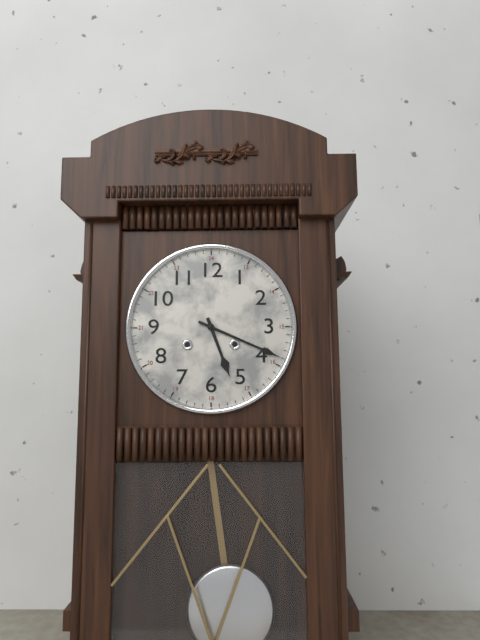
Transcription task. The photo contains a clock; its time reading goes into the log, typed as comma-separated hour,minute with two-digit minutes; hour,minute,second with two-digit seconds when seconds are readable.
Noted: 5,19
